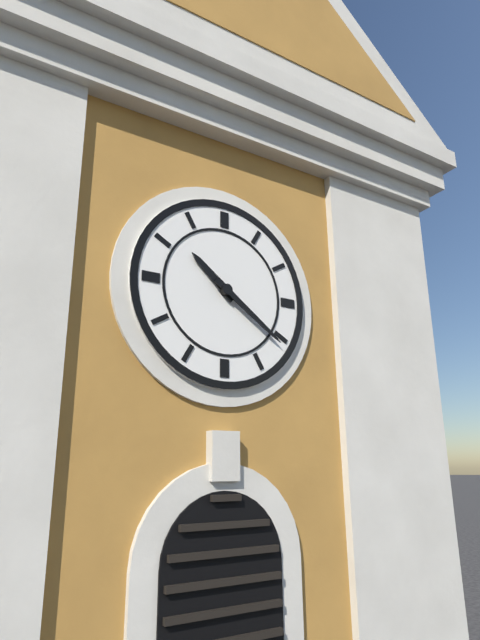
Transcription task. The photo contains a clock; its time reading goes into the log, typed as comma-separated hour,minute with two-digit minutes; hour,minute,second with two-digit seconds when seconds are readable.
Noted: 10,21
